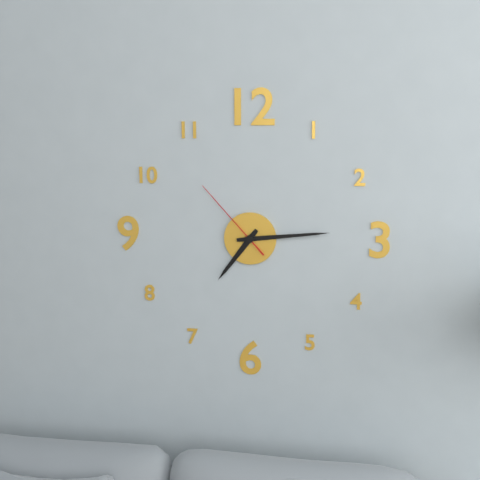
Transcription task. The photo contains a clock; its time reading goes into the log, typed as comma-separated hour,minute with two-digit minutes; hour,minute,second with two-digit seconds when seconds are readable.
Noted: 7,14,53
